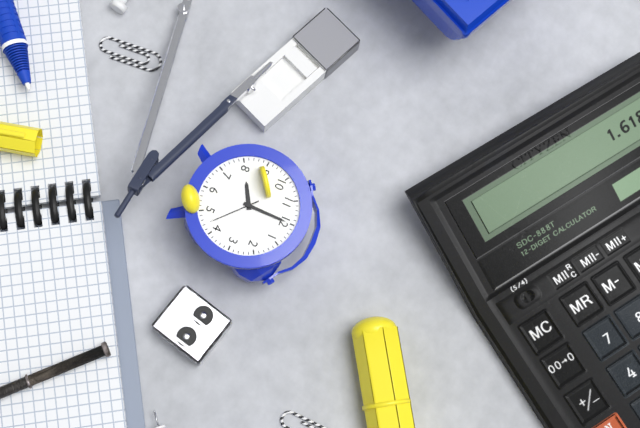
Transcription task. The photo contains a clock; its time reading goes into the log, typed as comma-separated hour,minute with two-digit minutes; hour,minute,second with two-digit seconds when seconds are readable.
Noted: 8,00,22
